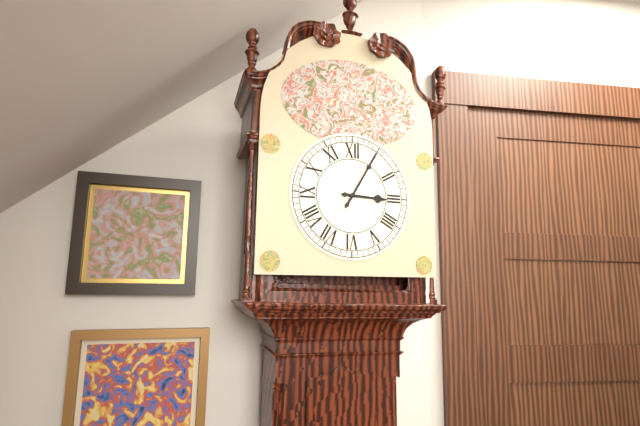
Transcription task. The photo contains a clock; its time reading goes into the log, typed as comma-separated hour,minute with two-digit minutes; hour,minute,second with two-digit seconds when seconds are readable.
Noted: 3,05
